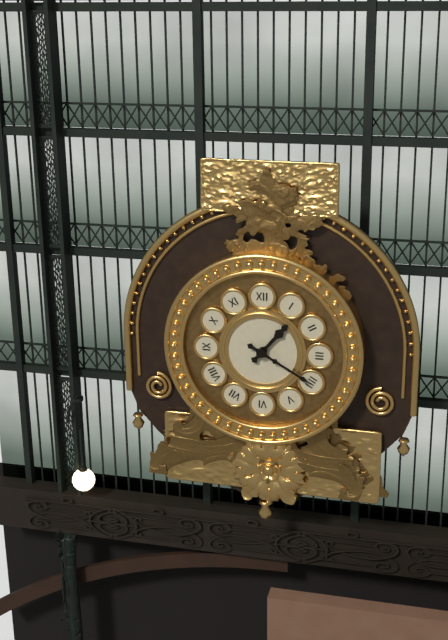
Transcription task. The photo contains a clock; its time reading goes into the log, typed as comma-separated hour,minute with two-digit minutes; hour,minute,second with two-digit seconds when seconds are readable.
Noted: 1,20
